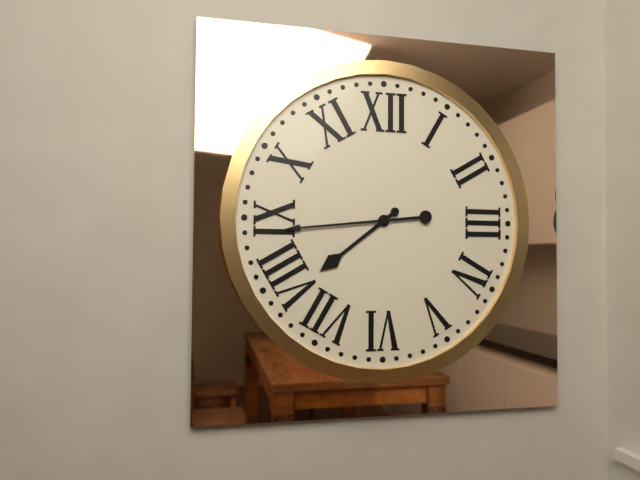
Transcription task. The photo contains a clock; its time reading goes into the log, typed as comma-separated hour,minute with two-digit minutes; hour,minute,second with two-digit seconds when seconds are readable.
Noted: 7,44
